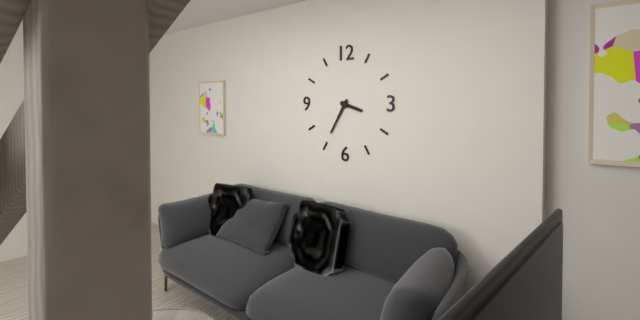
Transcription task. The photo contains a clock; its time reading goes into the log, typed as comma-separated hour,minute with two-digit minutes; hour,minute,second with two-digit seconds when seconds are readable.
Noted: 3,35
